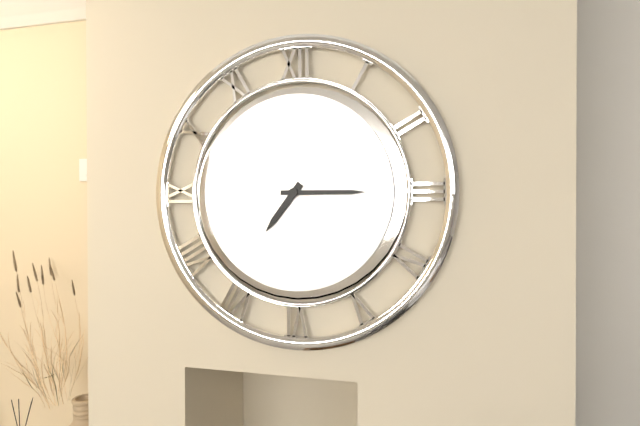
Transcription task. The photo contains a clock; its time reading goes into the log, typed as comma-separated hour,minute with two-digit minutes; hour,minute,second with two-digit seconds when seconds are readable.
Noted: 7,15
